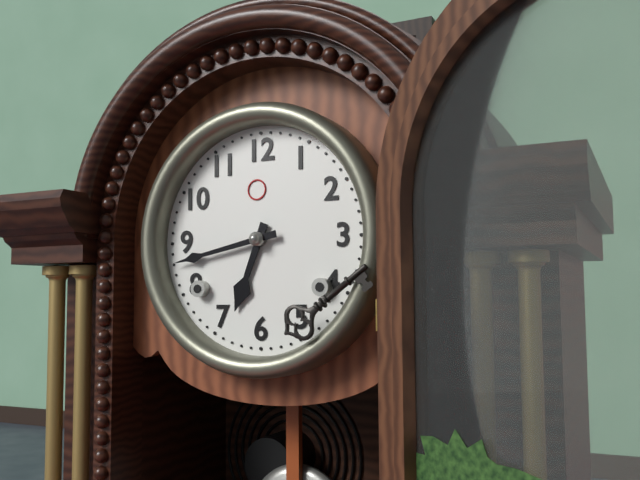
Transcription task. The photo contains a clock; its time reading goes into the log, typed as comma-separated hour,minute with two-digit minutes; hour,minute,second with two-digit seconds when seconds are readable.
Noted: 6,43
